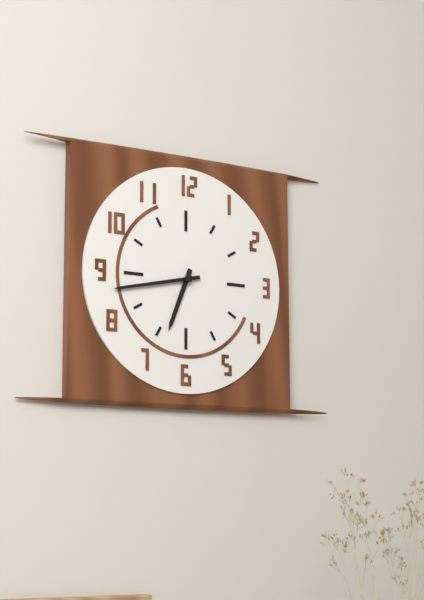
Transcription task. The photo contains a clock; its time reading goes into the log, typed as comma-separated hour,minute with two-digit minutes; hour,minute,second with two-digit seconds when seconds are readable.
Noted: 6,43
